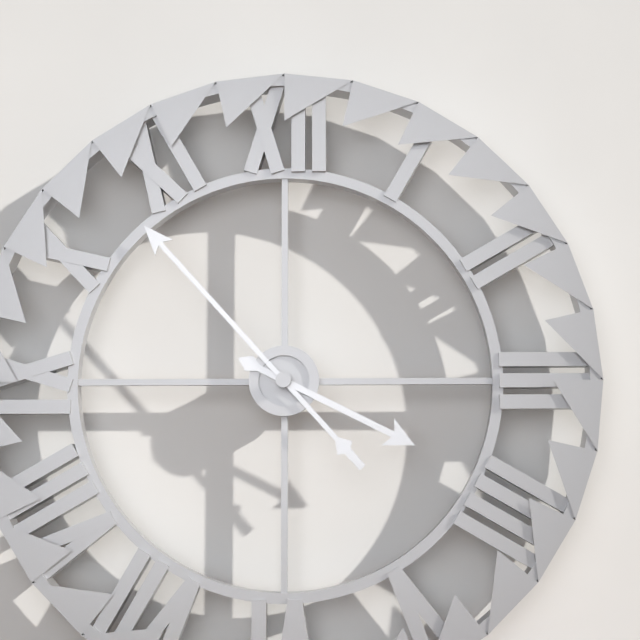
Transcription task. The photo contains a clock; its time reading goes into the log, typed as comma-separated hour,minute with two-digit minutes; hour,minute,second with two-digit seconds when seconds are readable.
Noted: 3,53
